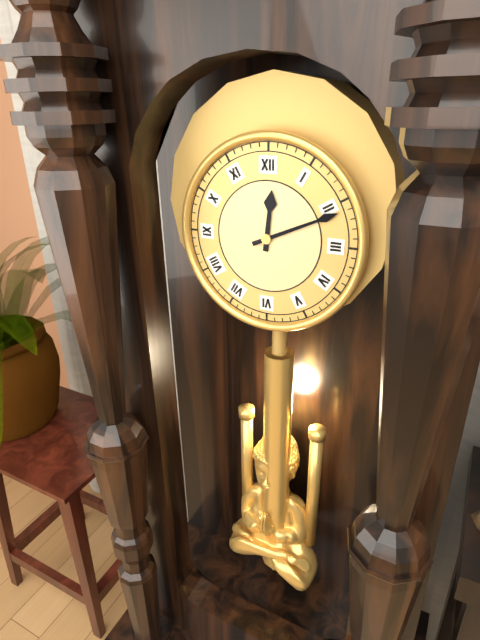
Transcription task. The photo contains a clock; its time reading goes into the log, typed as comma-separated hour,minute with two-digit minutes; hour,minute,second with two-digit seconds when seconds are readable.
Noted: 12,11
